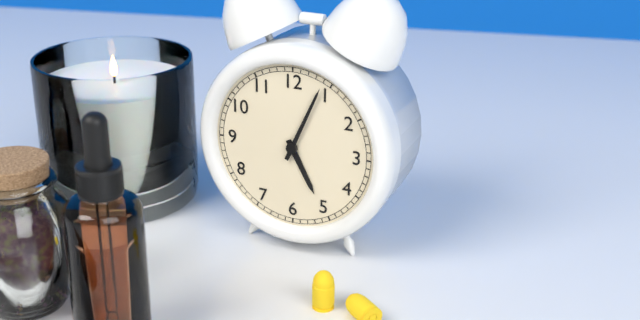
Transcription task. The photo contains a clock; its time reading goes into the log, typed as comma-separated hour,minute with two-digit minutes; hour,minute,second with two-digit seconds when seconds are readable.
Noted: 5,04
